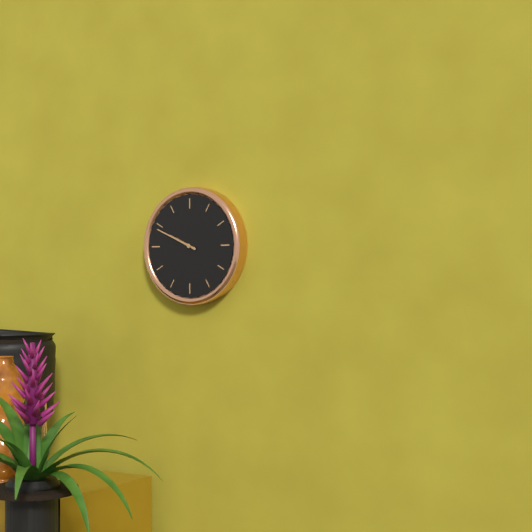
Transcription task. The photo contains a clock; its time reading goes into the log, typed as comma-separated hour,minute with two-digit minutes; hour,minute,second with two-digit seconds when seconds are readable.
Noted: 9,49
